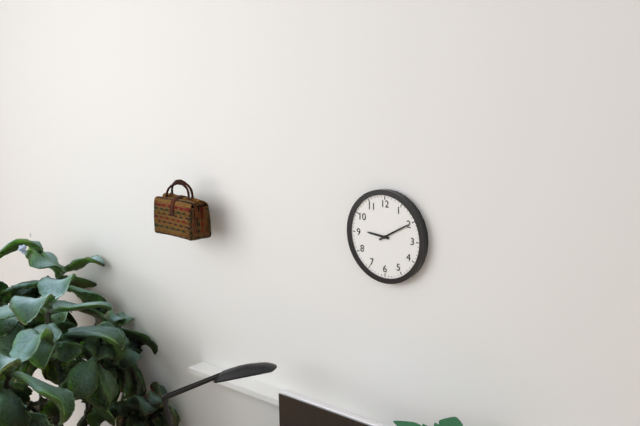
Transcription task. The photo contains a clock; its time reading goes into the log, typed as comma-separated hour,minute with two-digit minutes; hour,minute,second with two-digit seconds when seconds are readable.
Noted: 9,10
